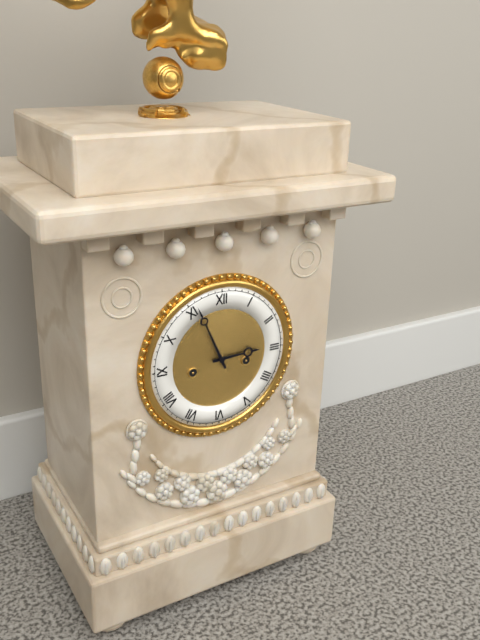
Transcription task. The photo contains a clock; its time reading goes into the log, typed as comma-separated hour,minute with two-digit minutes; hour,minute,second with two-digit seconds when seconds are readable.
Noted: 2,56
